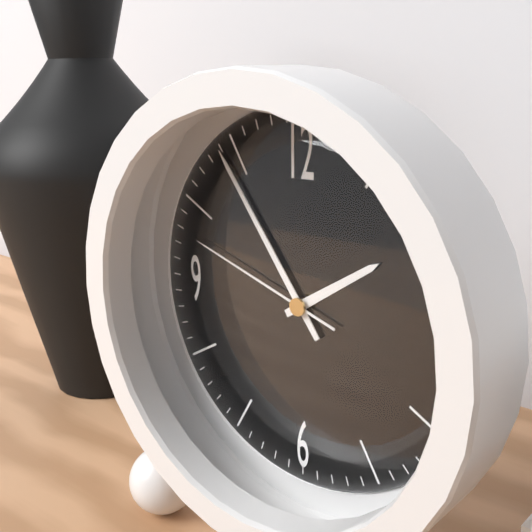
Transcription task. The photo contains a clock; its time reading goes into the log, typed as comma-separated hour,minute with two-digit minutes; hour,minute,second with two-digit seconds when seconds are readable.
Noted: 1,54,48
